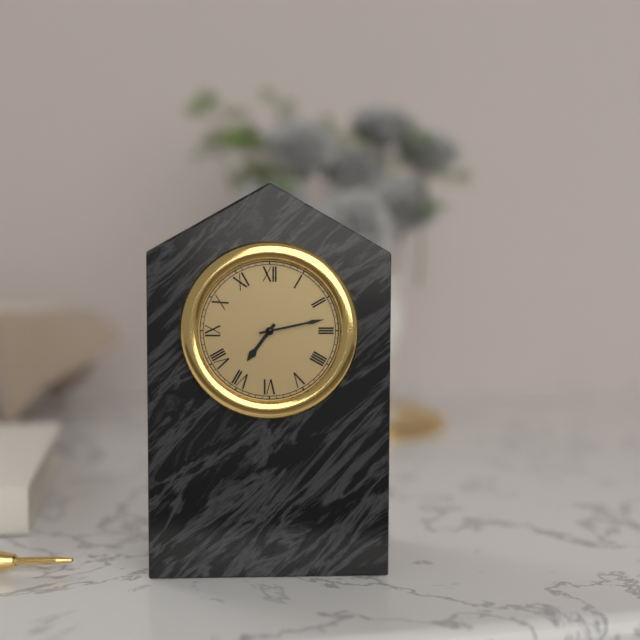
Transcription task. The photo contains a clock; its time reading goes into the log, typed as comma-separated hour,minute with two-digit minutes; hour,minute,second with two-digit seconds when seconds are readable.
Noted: 7,13
